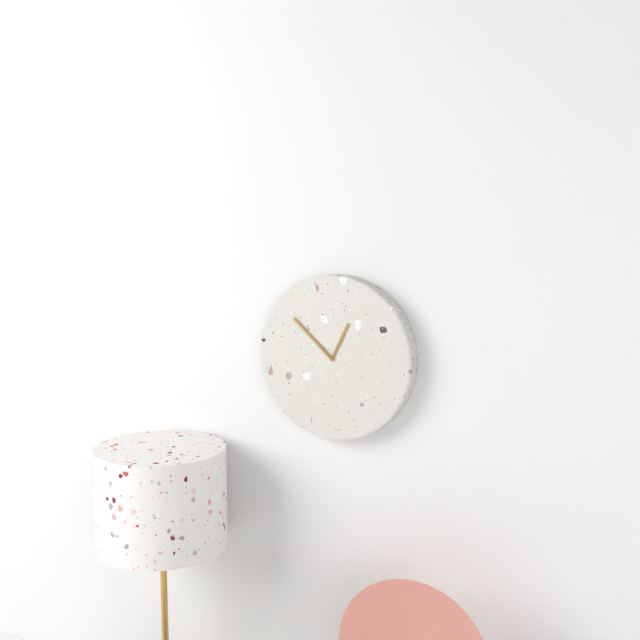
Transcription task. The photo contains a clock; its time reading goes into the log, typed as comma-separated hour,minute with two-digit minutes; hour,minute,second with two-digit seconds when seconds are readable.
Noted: 12,52
